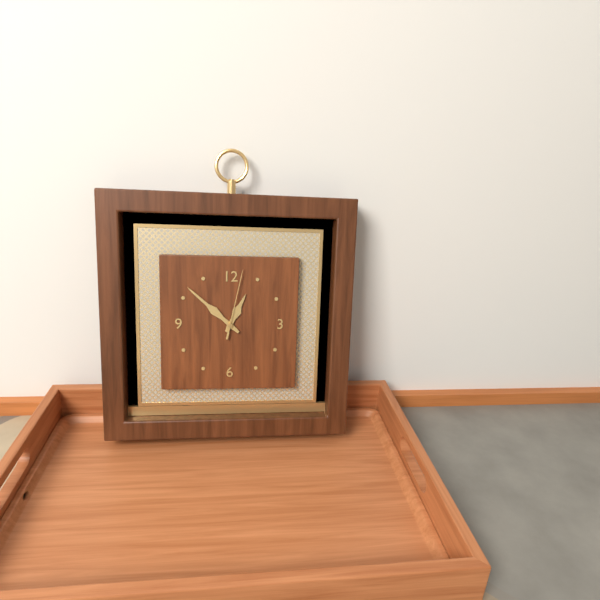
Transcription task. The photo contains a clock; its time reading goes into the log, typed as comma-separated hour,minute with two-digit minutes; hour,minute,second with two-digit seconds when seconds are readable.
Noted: 12,52,02
